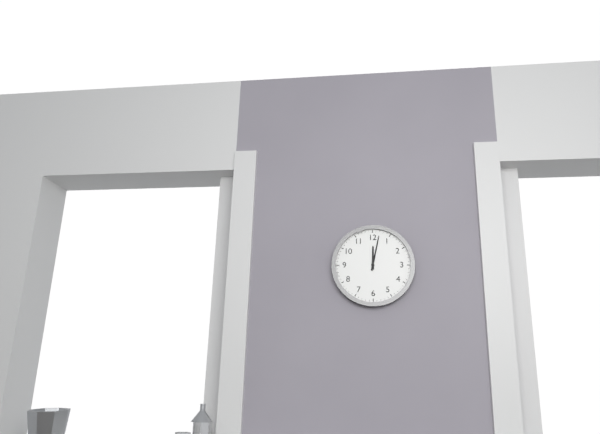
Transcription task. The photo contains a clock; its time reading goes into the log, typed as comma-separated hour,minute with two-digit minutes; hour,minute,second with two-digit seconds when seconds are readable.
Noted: 12,02
